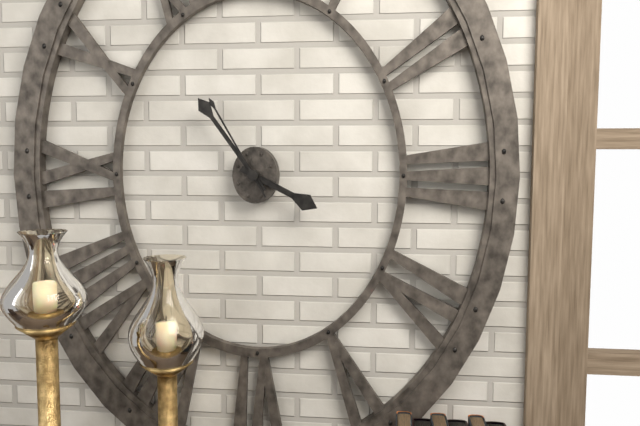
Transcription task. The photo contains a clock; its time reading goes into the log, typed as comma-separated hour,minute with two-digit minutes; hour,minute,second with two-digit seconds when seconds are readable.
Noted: 3,54,55
